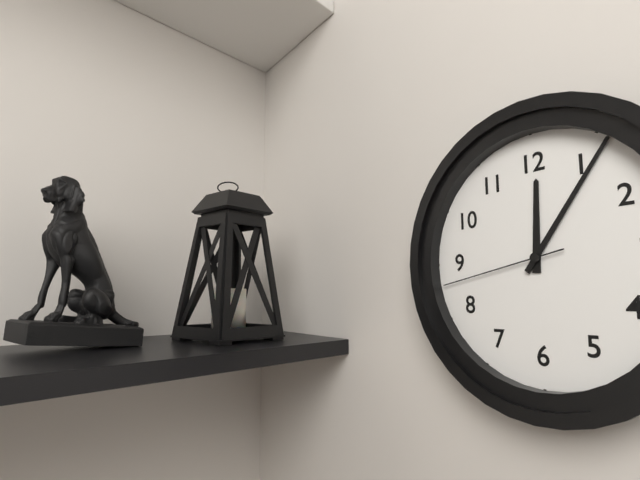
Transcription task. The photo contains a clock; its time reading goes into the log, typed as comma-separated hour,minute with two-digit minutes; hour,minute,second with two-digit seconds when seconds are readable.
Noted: 12,06,43
